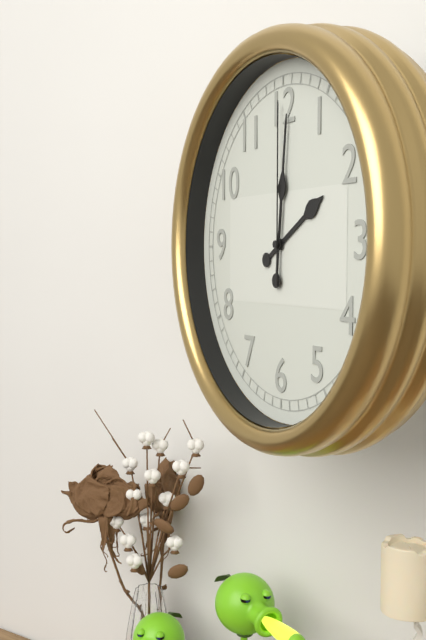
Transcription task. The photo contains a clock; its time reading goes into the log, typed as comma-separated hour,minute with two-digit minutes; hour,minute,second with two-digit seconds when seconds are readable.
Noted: 2,01,00
